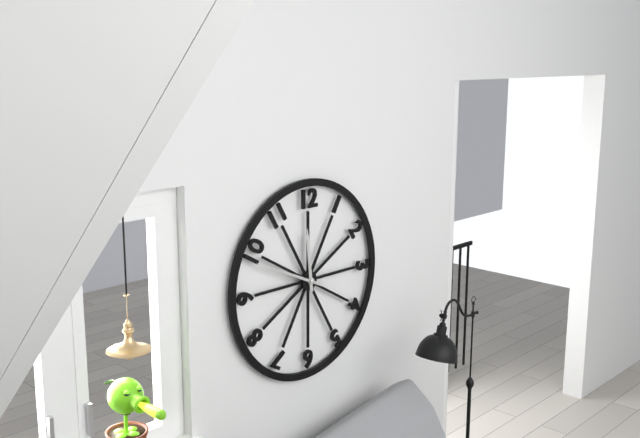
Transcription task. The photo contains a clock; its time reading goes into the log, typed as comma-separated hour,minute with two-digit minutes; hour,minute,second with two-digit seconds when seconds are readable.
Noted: 11,49
